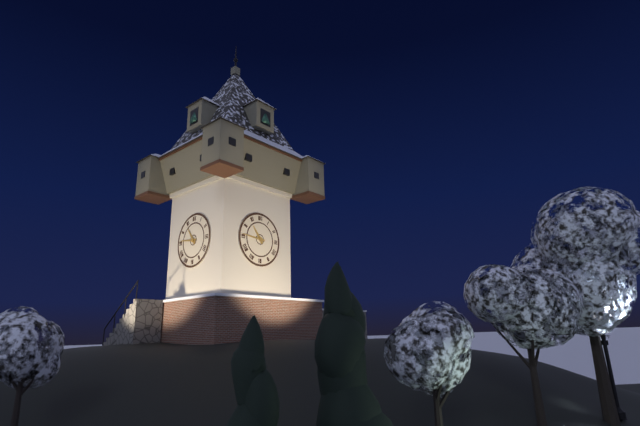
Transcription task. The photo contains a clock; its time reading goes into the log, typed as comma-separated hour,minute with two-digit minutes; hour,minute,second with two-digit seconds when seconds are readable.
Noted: 10,46
